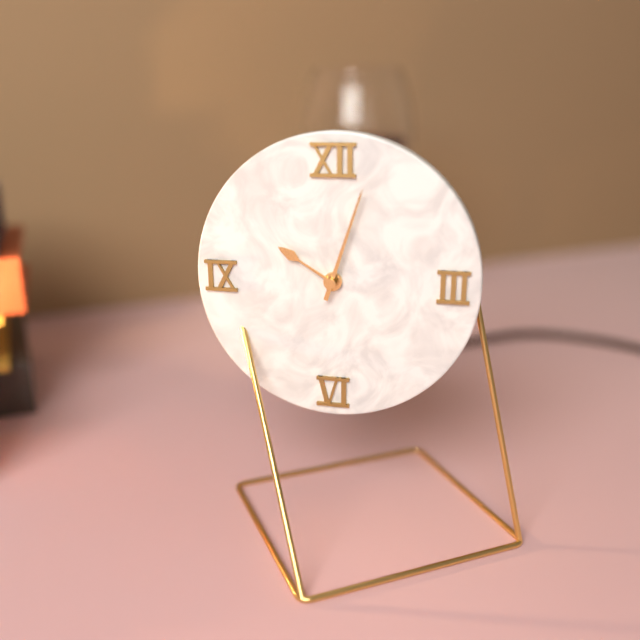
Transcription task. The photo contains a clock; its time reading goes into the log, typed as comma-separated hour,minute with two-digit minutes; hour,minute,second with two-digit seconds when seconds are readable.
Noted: 10,03
